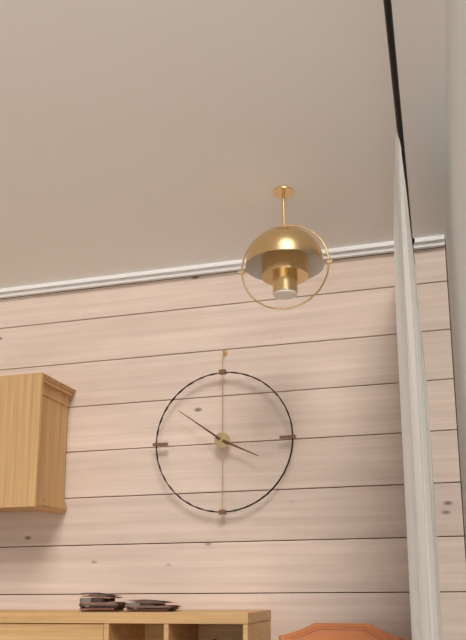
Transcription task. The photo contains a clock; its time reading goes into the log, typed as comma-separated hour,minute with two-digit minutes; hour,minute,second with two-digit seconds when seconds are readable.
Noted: 3,51
